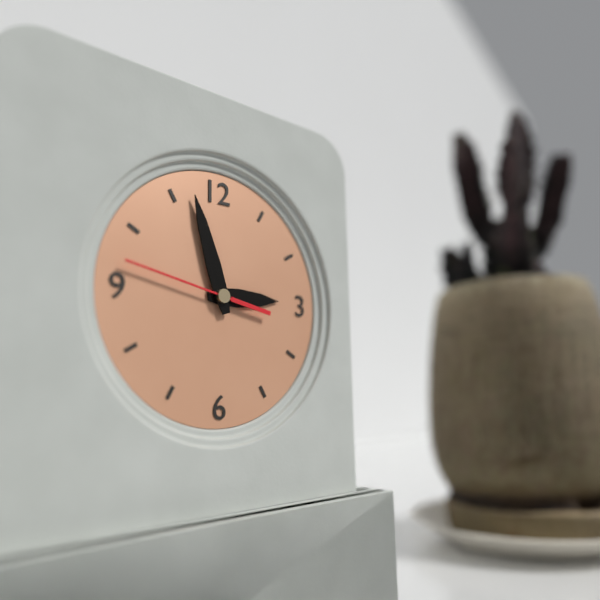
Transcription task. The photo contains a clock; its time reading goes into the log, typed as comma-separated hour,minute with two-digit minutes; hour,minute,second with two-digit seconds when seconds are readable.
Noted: 2,57,47
